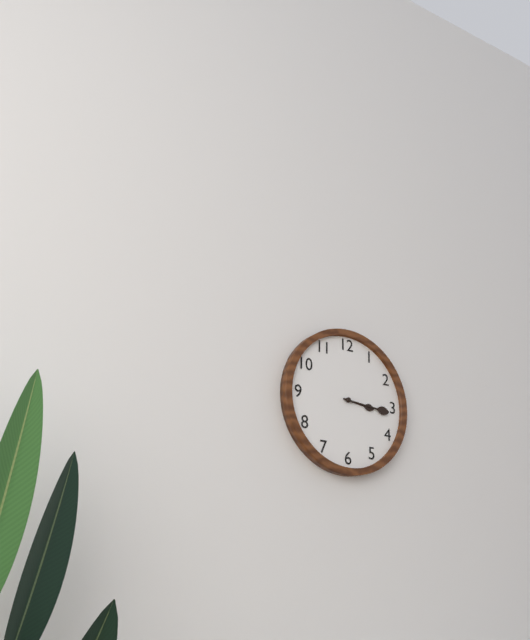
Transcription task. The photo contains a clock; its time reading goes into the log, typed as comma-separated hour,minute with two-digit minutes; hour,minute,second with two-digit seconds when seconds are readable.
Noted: 3,16
